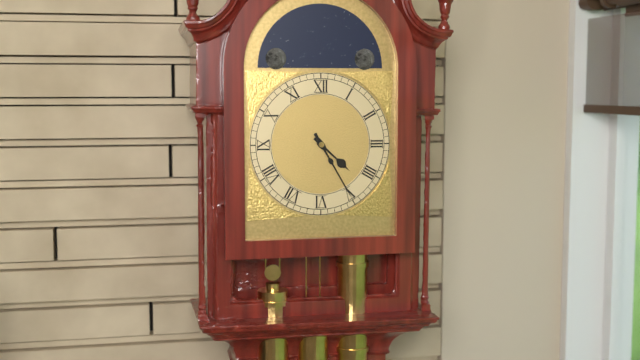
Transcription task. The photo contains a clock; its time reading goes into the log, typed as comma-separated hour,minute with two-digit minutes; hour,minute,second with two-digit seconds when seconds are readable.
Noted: 4,25
